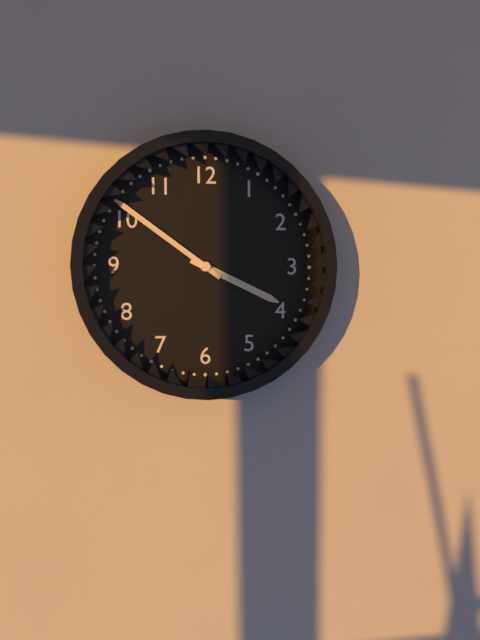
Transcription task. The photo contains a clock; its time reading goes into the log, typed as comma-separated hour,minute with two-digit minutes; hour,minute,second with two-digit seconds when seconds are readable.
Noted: 3,51
